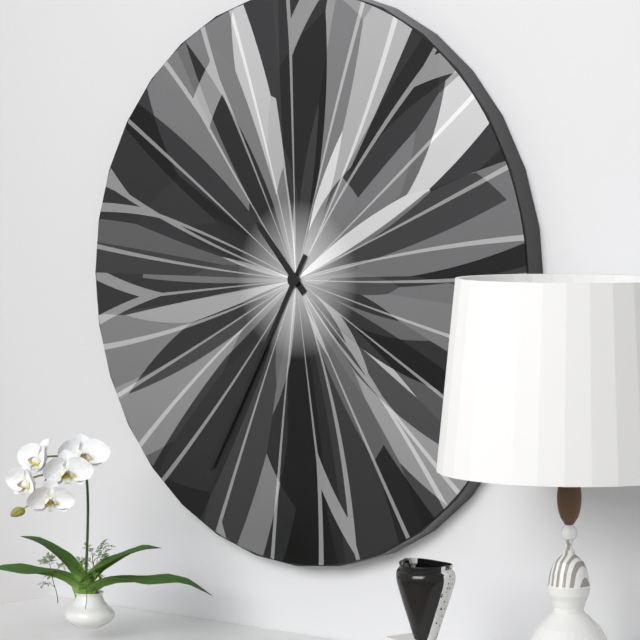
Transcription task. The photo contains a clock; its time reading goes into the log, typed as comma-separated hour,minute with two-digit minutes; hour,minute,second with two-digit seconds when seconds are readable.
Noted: 10,35
